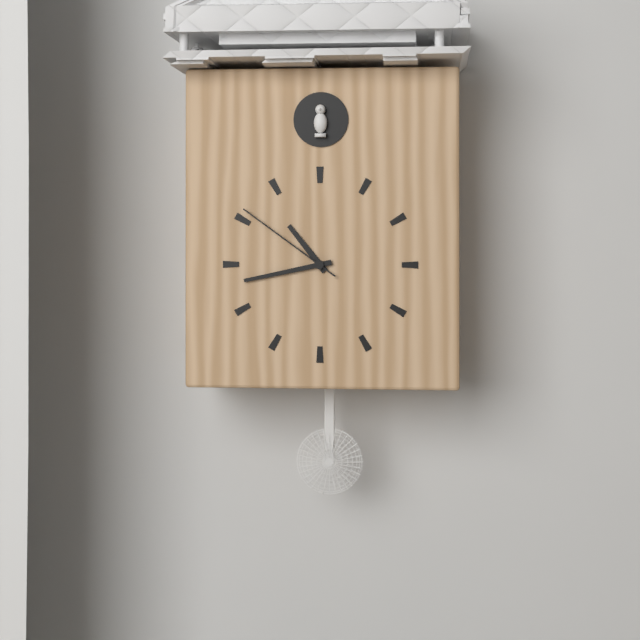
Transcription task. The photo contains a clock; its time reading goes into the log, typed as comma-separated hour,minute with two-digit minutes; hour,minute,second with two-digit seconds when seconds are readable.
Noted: 10,43,51
